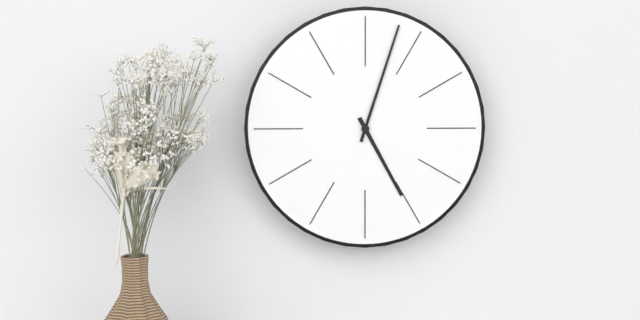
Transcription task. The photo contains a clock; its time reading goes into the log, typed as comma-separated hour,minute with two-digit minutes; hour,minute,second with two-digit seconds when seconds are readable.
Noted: 5,03
